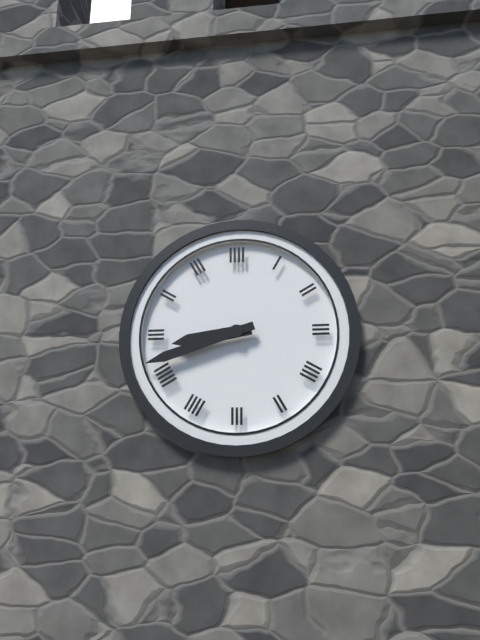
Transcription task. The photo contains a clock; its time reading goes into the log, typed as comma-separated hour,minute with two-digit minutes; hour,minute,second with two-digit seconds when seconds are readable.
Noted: 8,42
